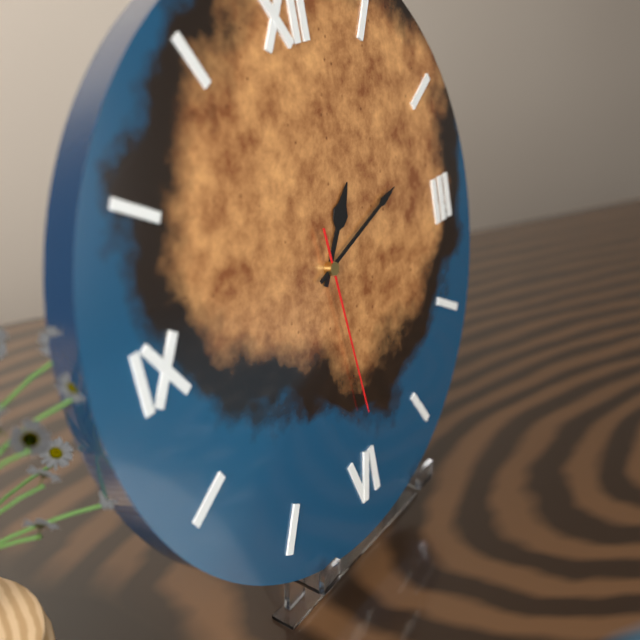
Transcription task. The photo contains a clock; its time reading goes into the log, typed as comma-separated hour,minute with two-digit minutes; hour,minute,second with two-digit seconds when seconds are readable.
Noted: 1,12,29
